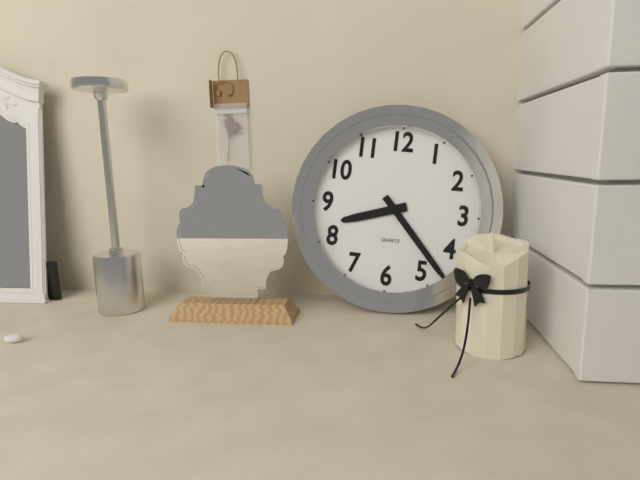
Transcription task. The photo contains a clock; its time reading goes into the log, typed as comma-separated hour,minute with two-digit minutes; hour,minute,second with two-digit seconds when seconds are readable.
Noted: 8,23
